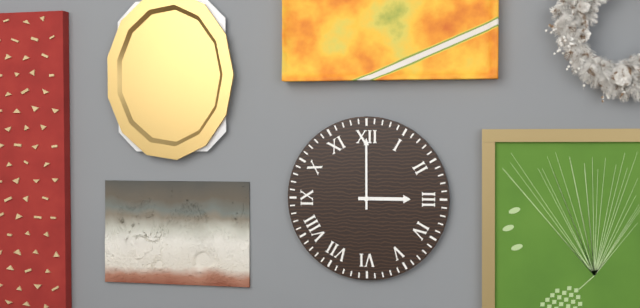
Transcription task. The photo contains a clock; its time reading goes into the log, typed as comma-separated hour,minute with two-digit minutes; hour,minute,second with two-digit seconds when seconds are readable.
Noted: 3,00
